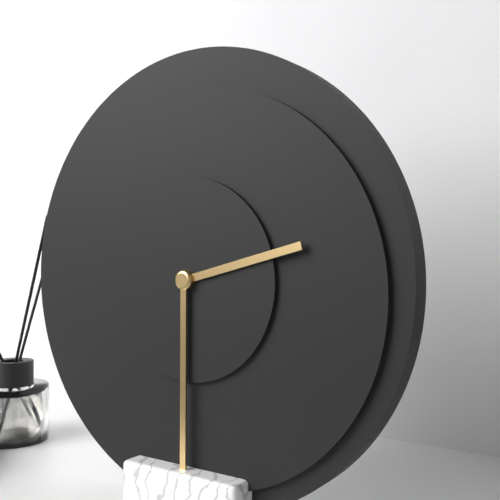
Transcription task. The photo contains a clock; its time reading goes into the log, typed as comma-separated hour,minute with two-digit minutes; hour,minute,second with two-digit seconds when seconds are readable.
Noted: 2,30
